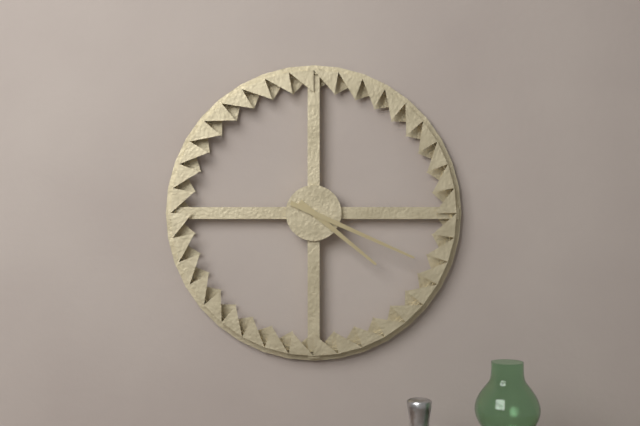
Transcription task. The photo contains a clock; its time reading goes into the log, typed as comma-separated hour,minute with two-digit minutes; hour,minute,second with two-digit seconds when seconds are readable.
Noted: 4,19
